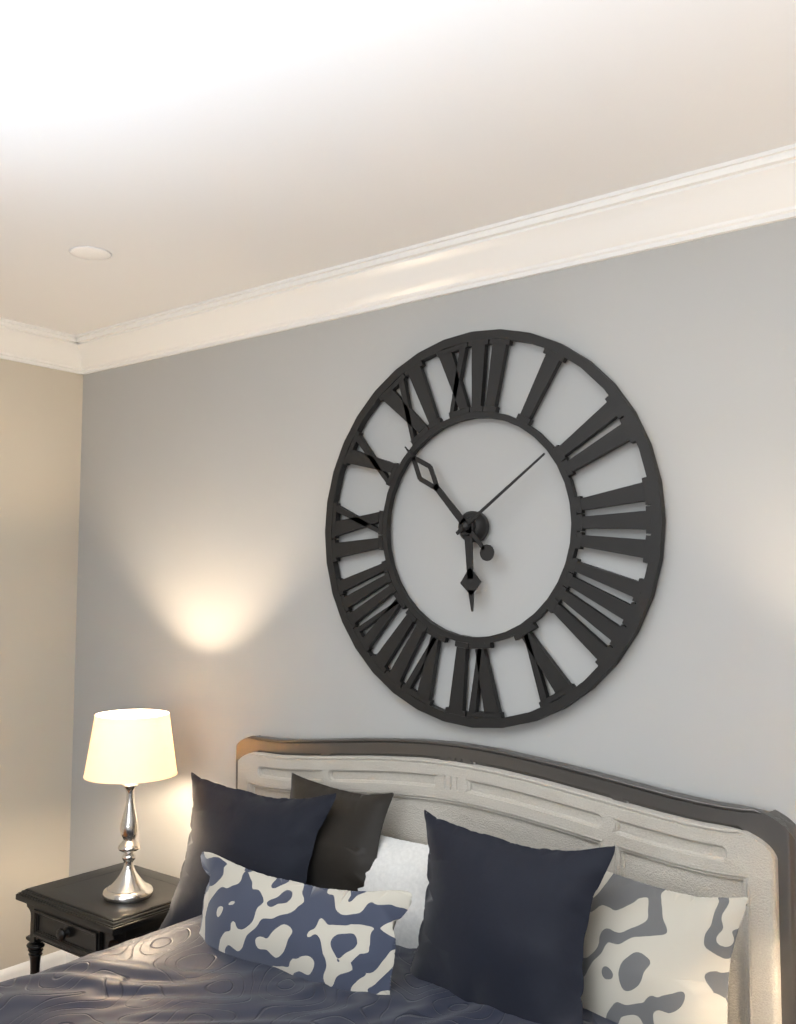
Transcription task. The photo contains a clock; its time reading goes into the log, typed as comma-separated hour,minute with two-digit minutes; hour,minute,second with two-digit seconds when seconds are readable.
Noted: 5,53,09
